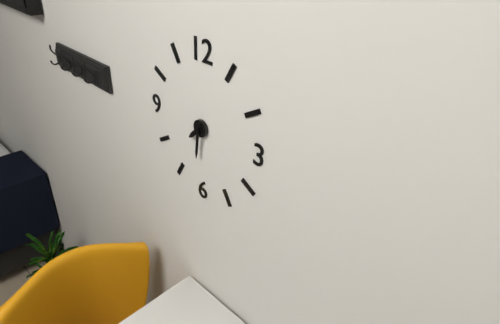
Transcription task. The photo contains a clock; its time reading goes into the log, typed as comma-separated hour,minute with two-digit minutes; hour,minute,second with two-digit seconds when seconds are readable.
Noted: 7,31
